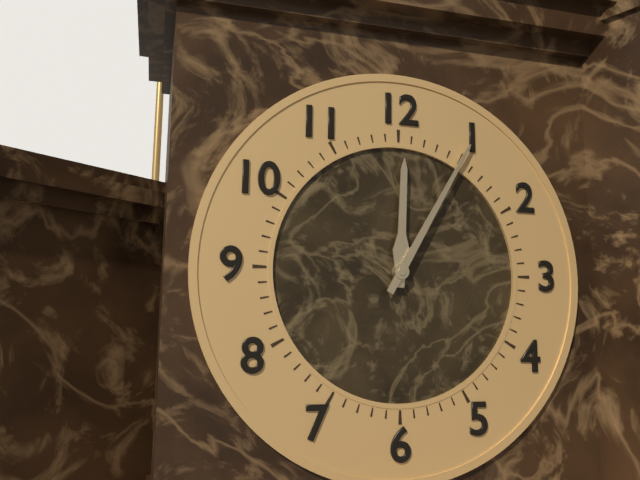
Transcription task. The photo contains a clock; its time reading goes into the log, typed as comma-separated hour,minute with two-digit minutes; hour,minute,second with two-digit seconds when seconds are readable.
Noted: 12,05
